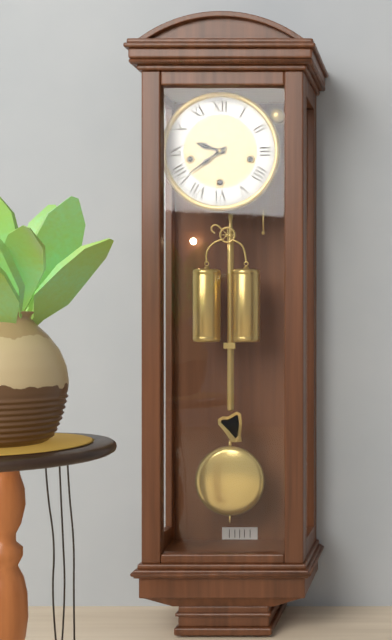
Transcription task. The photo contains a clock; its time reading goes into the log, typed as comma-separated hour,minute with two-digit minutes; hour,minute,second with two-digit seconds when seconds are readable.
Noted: 9,39
